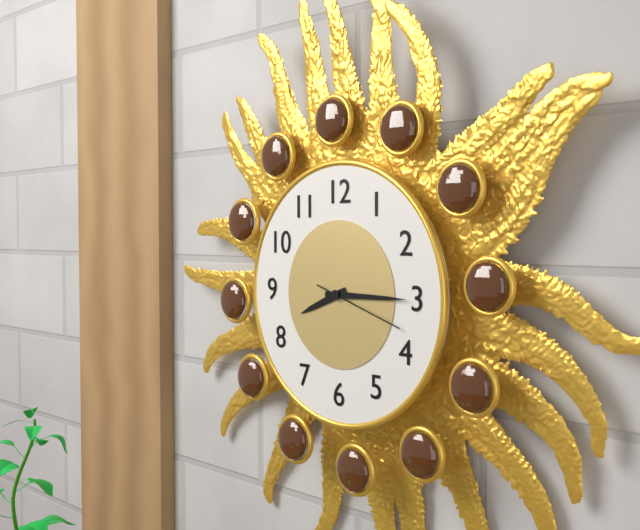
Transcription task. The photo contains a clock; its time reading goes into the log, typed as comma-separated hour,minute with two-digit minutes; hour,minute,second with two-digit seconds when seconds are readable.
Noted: 8,15,18
